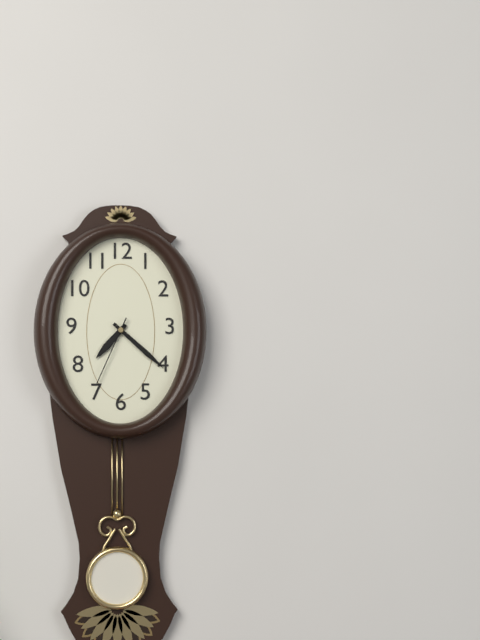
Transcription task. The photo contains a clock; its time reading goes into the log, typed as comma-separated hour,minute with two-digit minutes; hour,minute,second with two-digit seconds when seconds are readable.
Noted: 7,22,34
